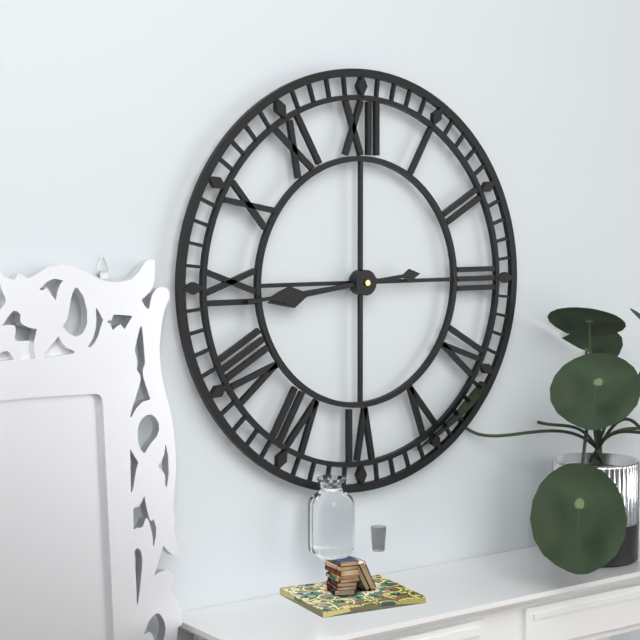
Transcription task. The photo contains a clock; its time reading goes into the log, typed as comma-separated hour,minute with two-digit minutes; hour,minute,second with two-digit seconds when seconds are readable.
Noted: 8,44
